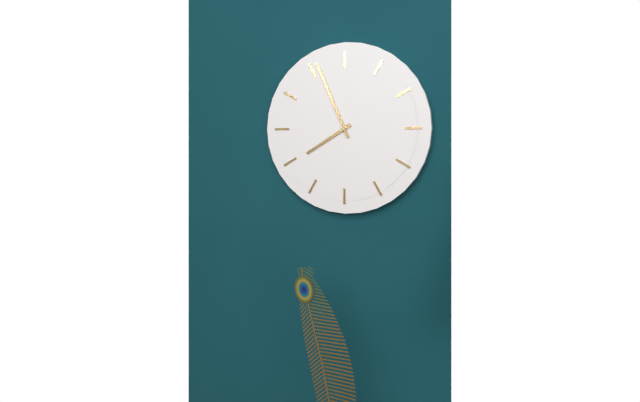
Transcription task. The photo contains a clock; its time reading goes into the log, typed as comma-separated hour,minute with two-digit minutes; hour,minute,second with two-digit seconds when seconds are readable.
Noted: 7,56
